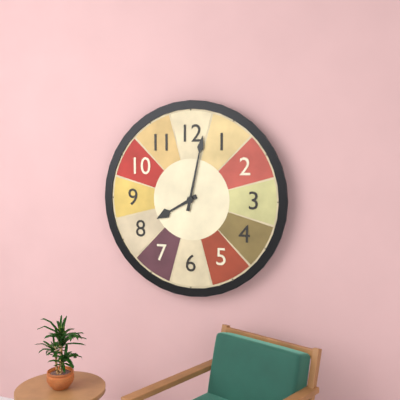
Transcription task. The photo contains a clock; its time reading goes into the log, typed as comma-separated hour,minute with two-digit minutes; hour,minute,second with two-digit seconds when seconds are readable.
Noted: 8,02
